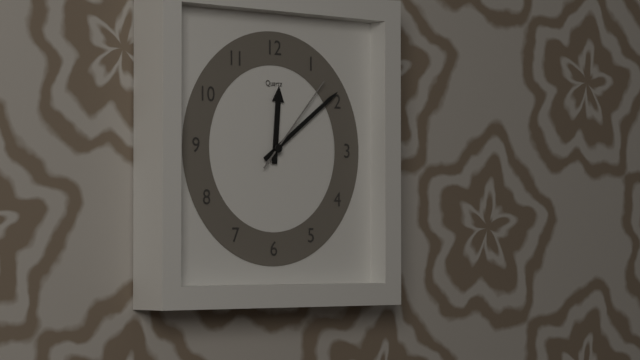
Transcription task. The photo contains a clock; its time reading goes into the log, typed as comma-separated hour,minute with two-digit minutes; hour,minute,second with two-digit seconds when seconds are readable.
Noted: 12,09,07
